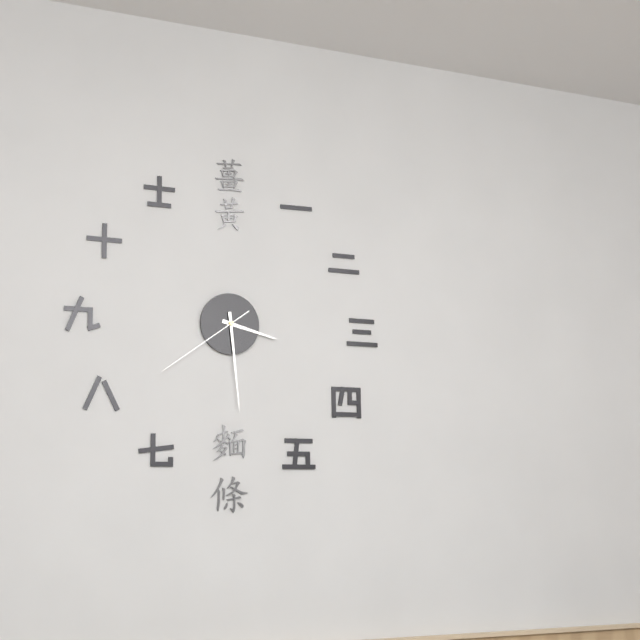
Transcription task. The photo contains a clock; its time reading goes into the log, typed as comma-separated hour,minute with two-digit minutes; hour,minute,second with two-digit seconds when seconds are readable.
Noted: 3,29,39
